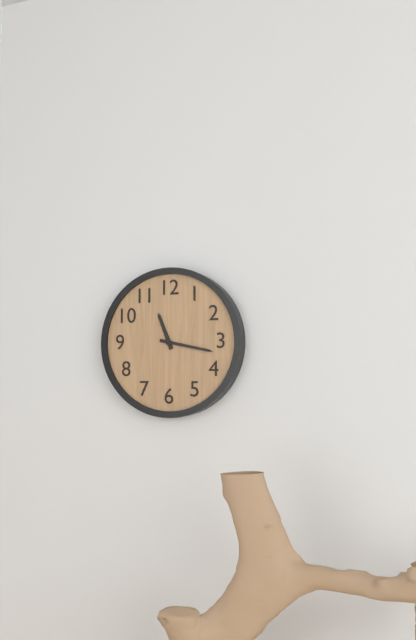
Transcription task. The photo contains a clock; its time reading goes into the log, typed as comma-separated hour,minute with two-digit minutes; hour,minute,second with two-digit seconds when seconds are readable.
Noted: 11,17
